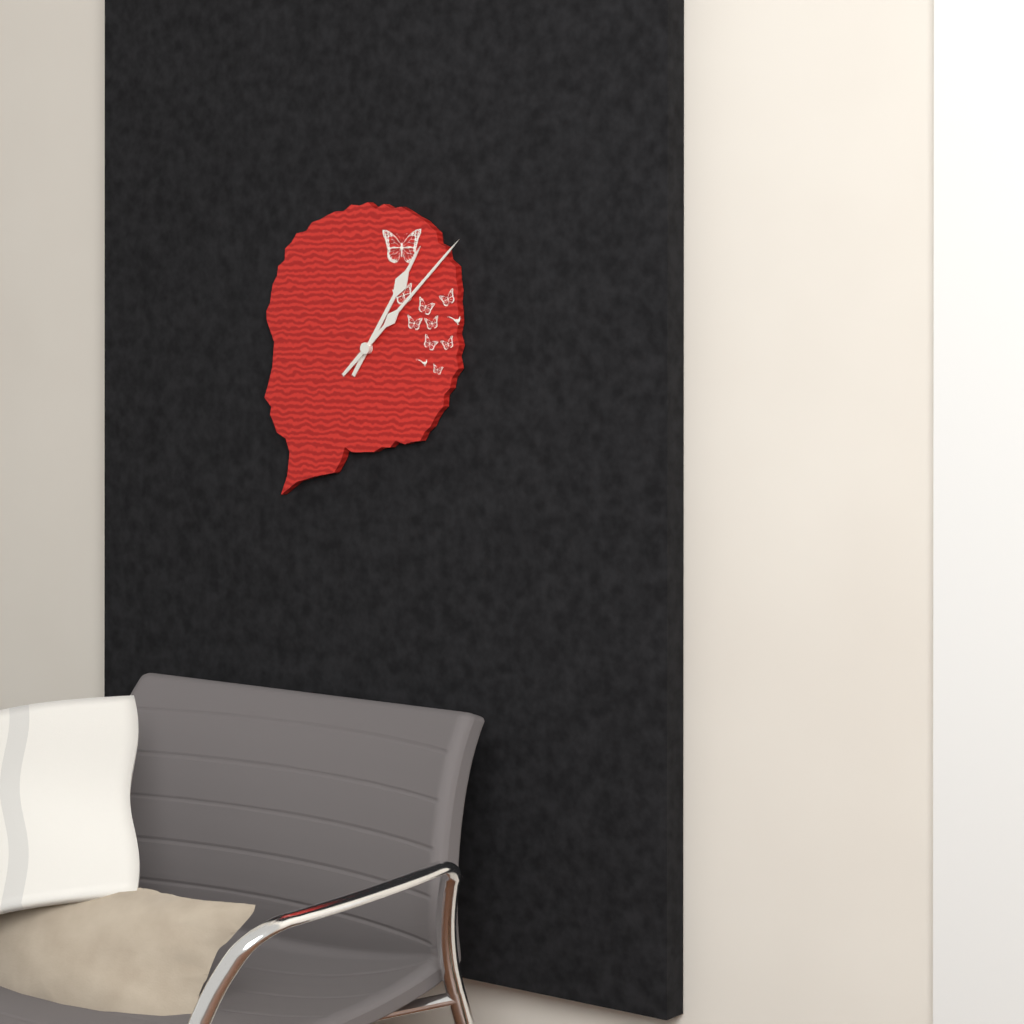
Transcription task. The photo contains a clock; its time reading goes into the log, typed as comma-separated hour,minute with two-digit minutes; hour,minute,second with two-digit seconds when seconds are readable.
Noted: 1,08
